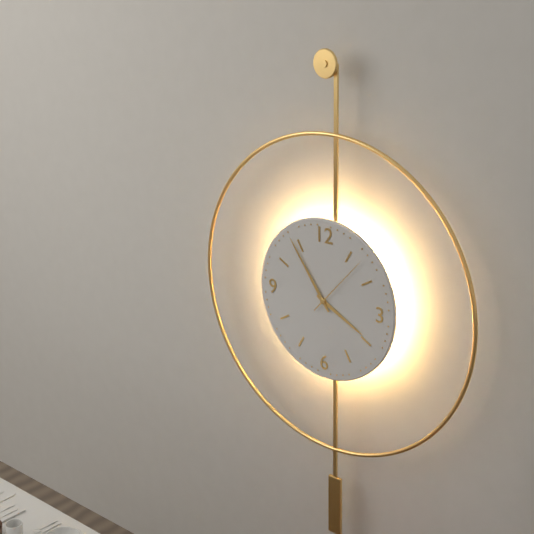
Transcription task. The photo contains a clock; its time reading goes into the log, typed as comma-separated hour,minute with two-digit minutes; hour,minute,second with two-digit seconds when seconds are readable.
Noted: 3,54,07
